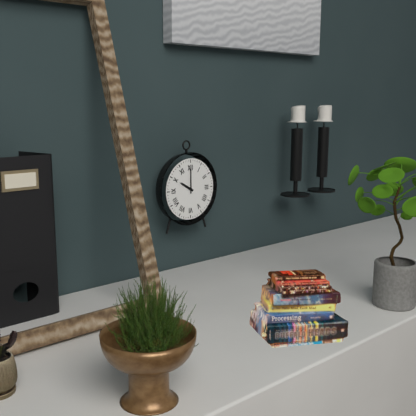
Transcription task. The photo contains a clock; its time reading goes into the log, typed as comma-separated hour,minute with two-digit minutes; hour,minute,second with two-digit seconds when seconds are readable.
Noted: 10,00
